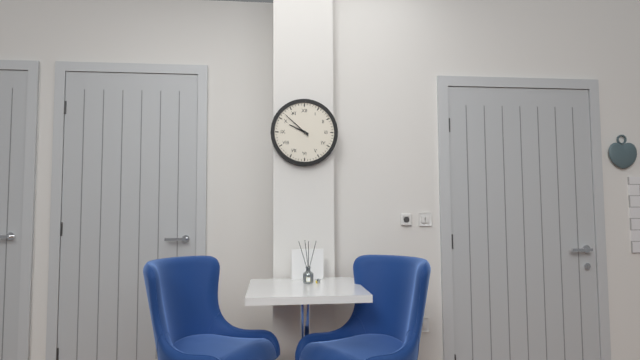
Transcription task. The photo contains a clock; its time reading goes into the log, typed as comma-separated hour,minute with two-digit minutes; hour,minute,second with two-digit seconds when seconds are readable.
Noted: 9,52
